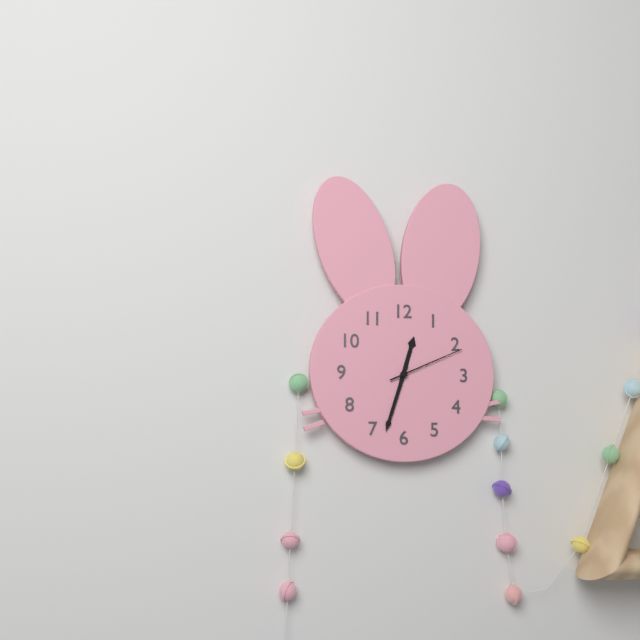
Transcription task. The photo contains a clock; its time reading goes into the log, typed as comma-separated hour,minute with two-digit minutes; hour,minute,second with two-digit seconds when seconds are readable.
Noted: 12,33,11
